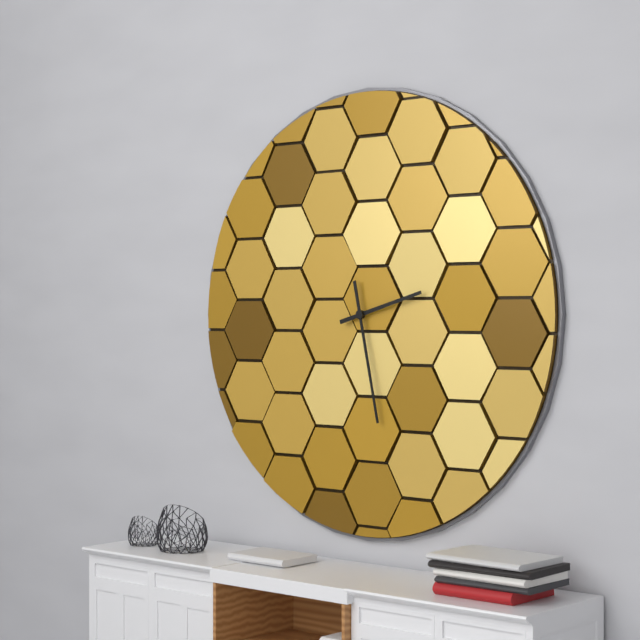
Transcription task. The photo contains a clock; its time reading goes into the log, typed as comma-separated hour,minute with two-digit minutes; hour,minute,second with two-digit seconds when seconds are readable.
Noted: 2,28
